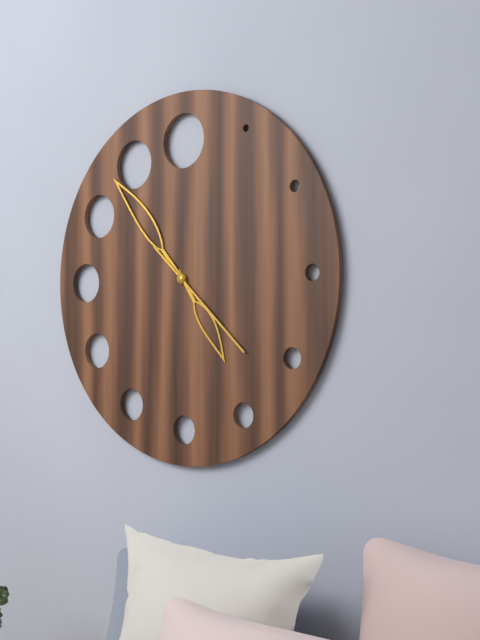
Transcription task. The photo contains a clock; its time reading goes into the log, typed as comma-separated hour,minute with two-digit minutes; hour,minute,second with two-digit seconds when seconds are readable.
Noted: 4,53,22
